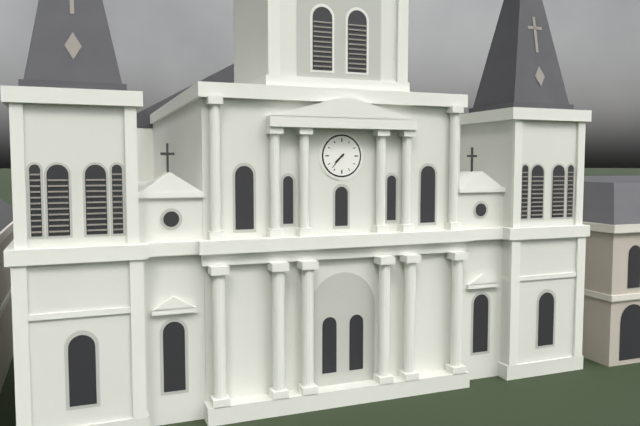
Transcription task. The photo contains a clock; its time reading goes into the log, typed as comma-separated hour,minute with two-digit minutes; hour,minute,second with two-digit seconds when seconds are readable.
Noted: 7,37
